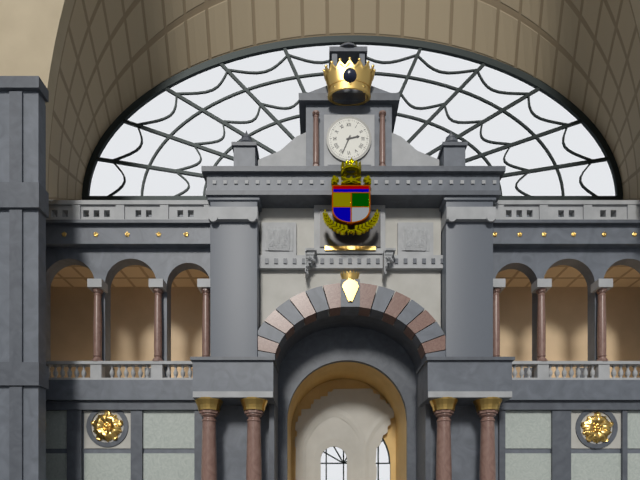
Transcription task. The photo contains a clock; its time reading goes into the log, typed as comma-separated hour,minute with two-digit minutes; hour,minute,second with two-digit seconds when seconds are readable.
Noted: 2,34
